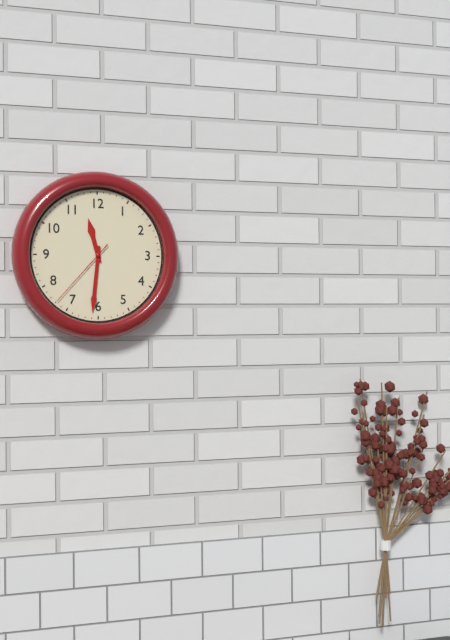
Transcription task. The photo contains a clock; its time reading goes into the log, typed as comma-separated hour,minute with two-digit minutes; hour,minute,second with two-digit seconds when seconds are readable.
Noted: 11,31,37
